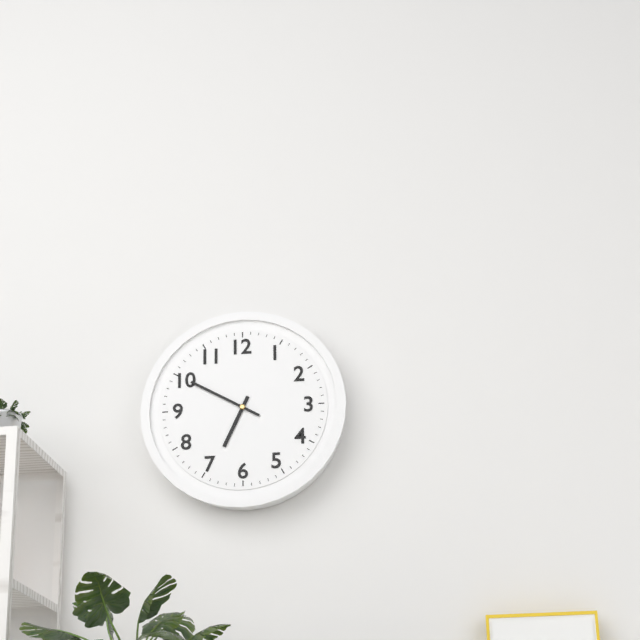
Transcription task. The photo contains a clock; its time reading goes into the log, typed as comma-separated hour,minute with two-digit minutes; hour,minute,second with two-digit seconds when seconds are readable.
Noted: 6,50
